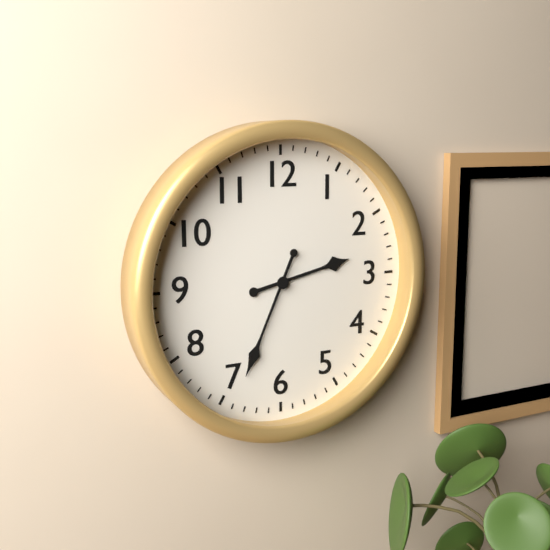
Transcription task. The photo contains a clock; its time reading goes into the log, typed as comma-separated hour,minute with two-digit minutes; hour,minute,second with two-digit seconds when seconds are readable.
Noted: 2,34
